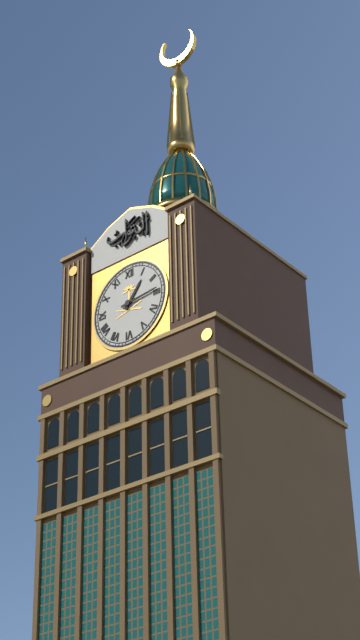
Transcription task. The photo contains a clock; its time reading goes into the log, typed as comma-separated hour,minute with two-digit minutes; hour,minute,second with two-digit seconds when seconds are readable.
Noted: 1,14
